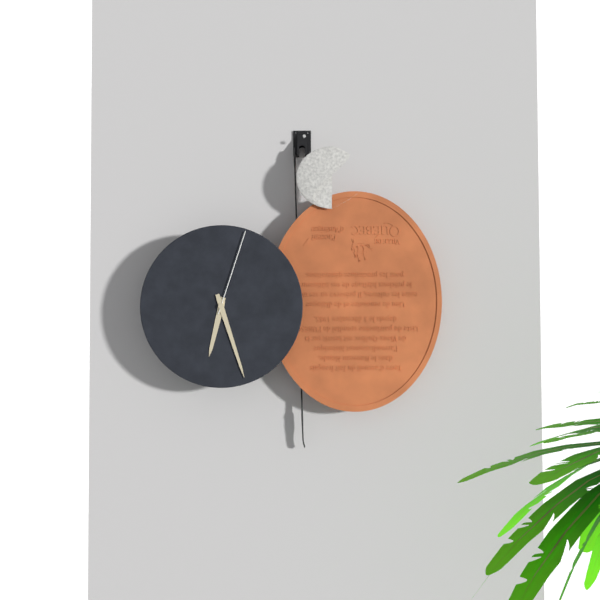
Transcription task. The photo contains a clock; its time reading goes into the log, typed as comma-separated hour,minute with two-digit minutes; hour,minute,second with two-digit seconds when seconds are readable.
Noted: 6,27,03
